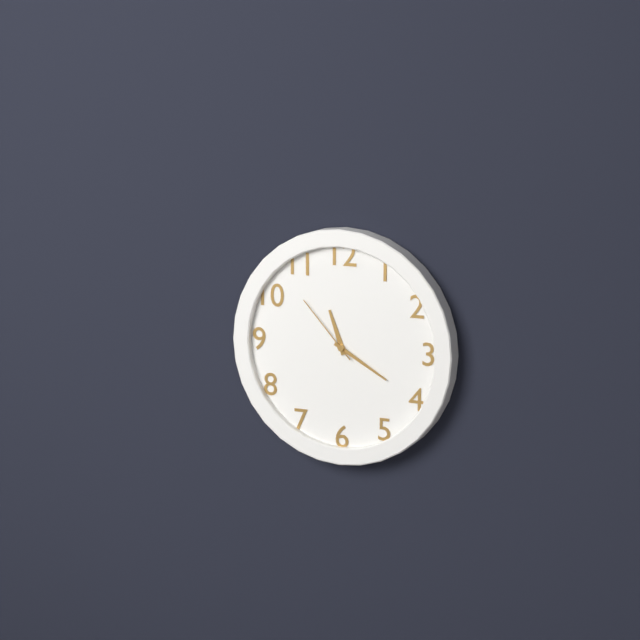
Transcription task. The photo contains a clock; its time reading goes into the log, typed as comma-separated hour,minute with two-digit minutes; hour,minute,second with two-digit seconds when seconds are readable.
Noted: 11,20,53
